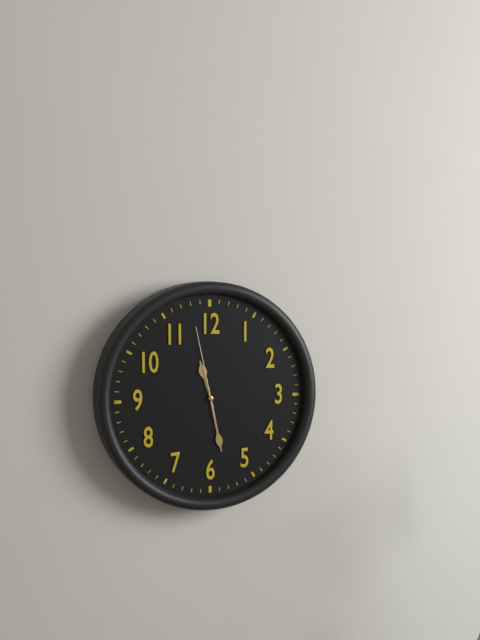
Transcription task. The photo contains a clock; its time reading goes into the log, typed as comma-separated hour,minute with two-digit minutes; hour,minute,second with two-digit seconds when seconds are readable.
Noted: 11,28,58
